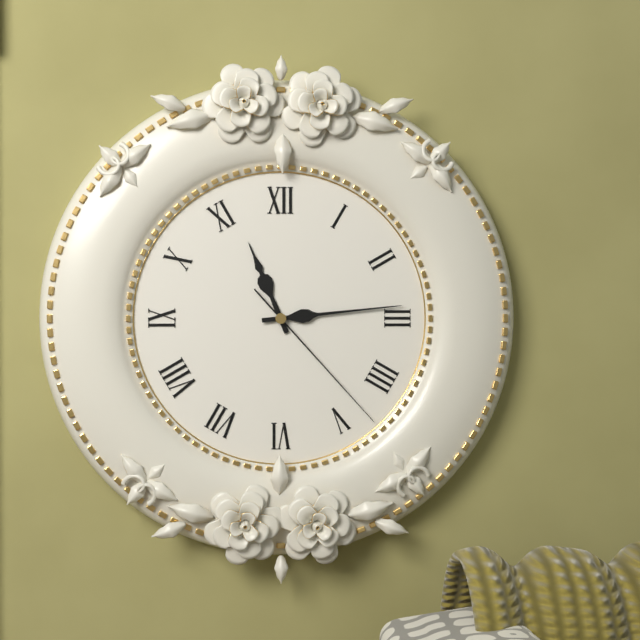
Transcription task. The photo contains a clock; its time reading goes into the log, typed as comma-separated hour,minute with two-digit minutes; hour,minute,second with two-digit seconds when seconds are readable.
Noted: 11,14,23
